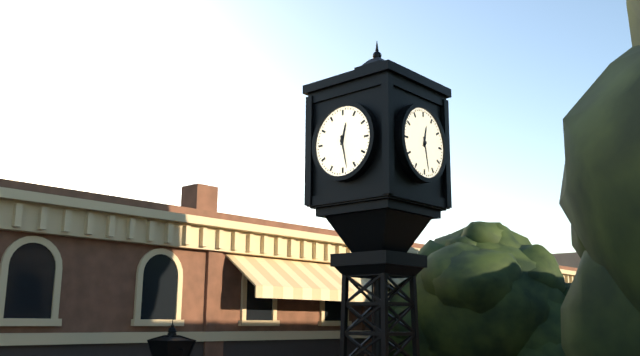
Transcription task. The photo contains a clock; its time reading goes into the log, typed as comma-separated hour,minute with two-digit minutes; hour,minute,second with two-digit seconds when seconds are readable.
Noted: 12,28
